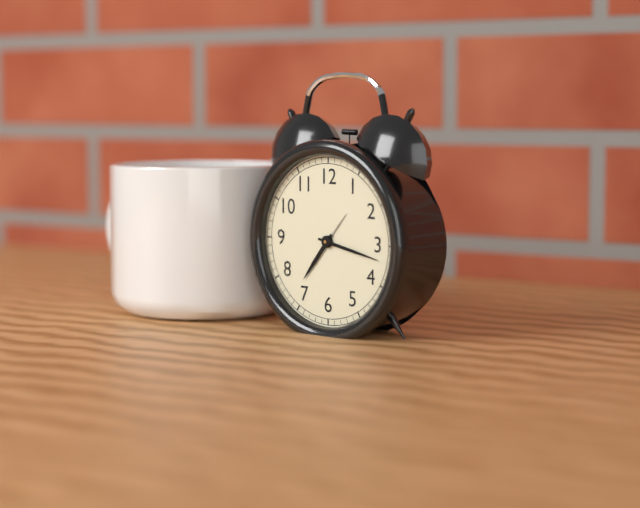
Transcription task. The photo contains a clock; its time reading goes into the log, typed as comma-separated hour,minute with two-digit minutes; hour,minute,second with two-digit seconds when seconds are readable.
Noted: 7,17
